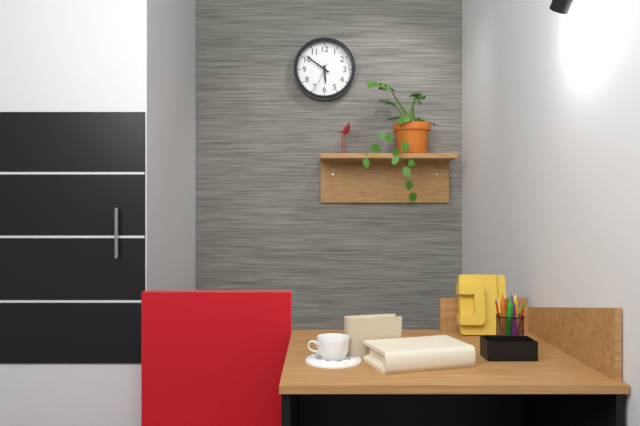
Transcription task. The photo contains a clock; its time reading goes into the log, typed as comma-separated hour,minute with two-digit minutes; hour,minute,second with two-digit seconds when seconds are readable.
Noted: 5,51
